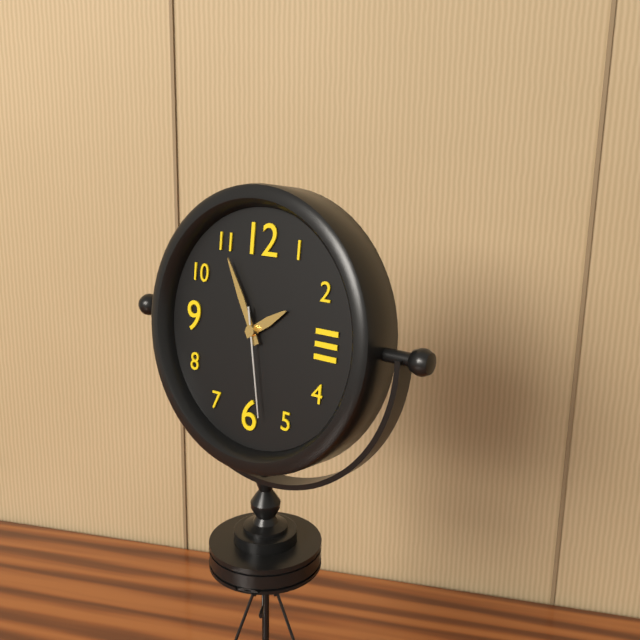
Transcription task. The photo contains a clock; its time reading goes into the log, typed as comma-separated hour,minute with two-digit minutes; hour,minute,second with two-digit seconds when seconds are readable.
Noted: 1,55,28
